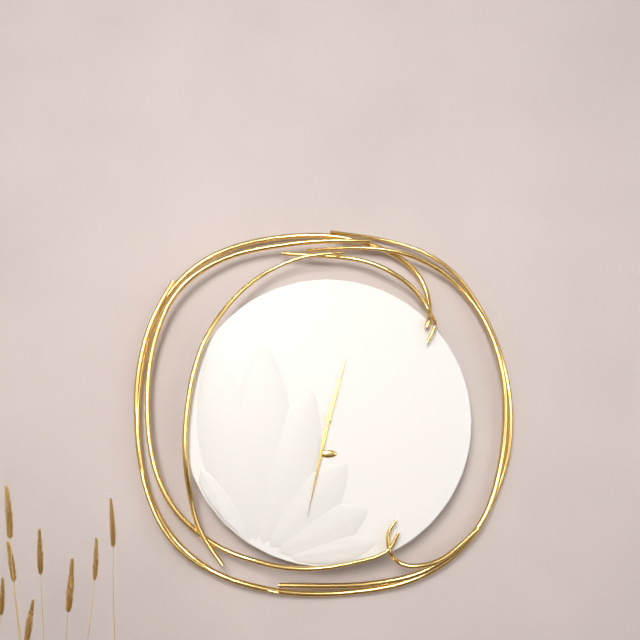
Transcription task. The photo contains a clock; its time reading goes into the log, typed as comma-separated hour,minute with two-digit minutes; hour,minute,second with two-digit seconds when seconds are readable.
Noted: 12,32
